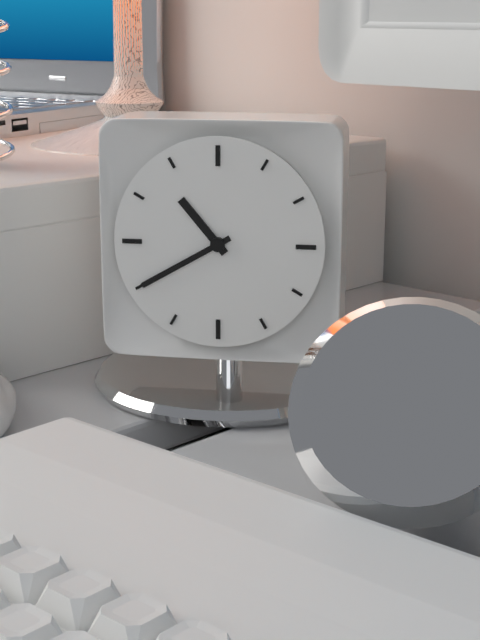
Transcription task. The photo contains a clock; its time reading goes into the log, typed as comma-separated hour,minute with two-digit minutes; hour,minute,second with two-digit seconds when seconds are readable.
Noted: 10,40
